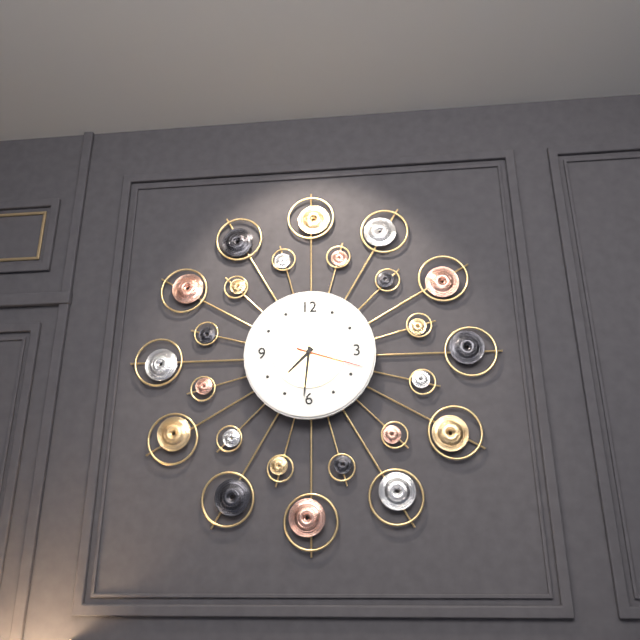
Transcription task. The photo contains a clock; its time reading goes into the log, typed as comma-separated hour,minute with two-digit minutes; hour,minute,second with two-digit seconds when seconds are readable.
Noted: 7,31,18
